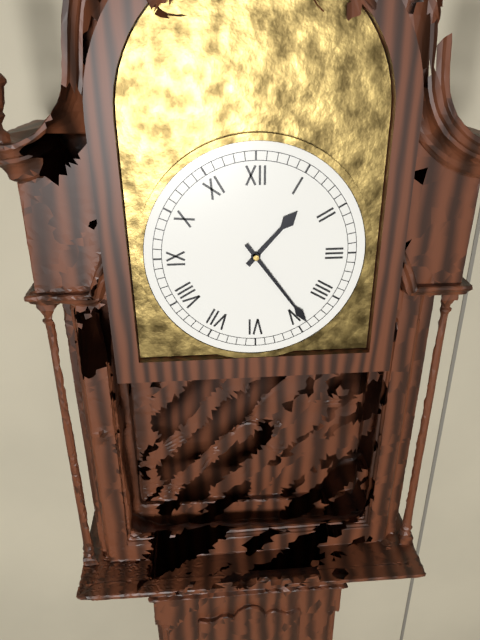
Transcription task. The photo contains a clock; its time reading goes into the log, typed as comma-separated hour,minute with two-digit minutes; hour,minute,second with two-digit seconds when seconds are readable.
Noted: 1,24
